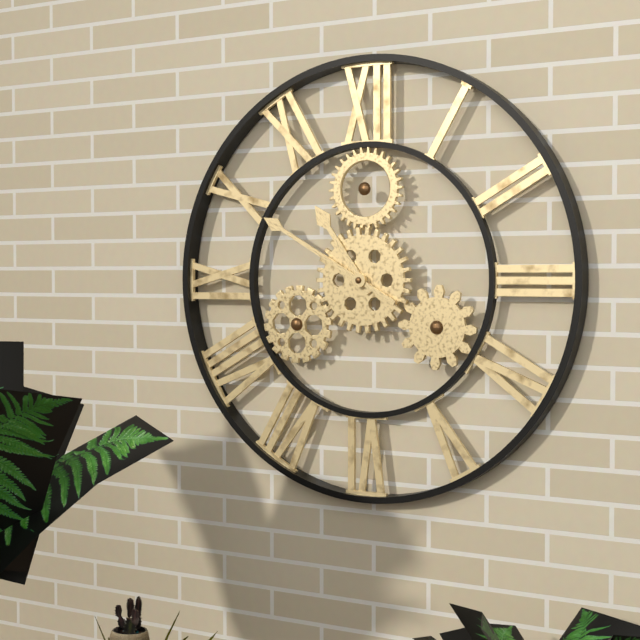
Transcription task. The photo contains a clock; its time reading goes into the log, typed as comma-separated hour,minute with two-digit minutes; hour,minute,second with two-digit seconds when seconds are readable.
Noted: 10,50
